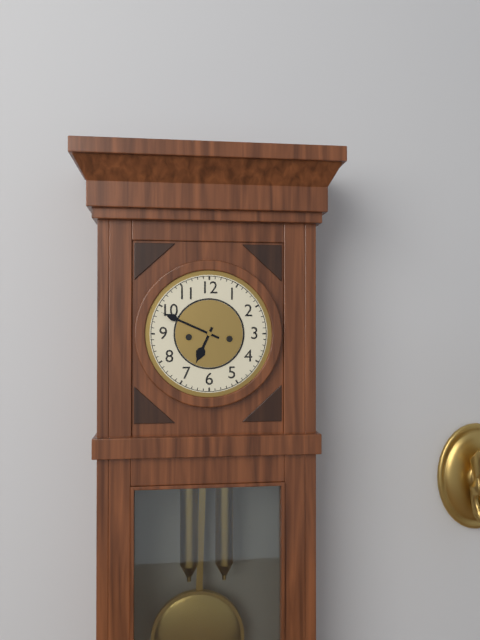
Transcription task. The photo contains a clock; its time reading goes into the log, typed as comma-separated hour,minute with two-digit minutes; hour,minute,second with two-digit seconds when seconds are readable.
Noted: 6,49
